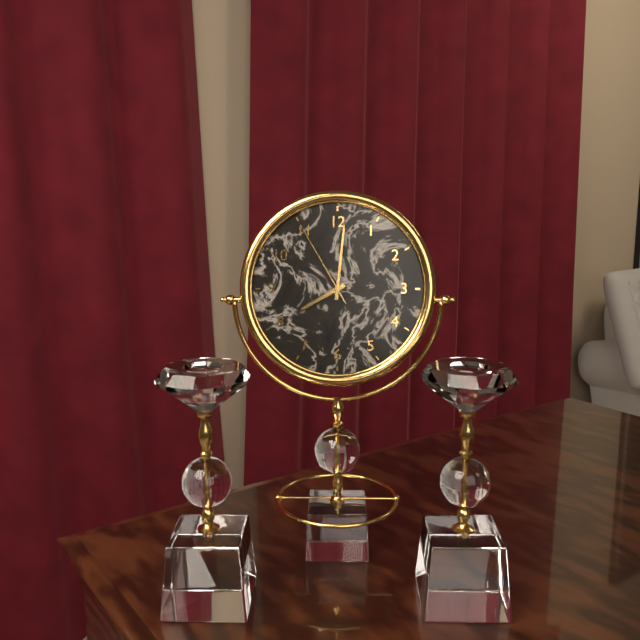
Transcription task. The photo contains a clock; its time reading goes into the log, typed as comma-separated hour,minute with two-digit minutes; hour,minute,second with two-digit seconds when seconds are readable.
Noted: 8,01,55
